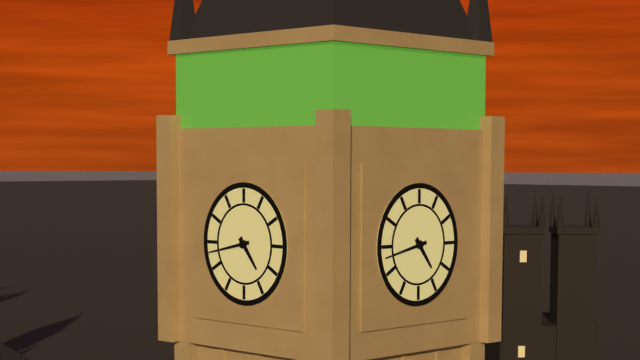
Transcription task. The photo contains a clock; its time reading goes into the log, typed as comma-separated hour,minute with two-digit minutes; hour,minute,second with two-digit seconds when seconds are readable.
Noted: 4,43
